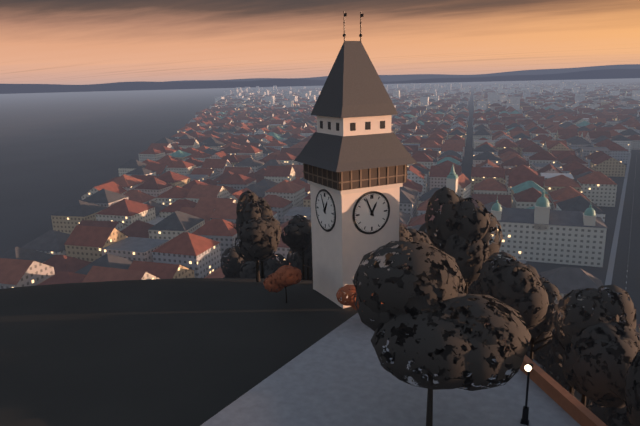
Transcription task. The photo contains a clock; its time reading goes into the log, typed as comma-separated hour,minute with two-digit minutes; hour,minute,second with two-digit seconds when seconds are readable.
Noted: 12,56
